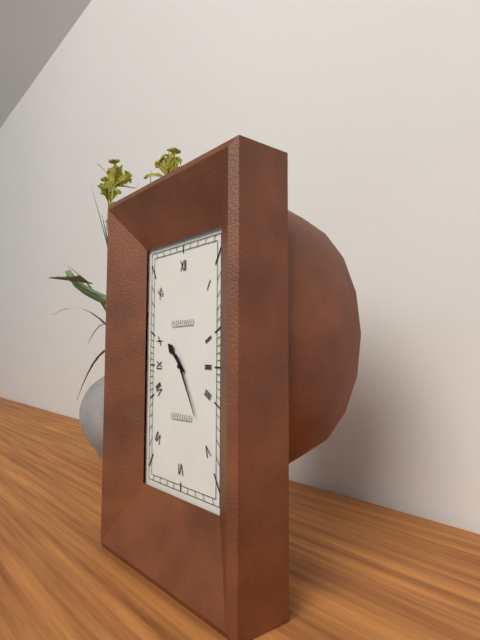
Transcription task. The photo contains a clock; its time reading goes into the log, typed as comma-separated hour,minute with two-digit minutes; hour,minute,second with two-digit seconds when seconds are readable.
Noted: 10,25
